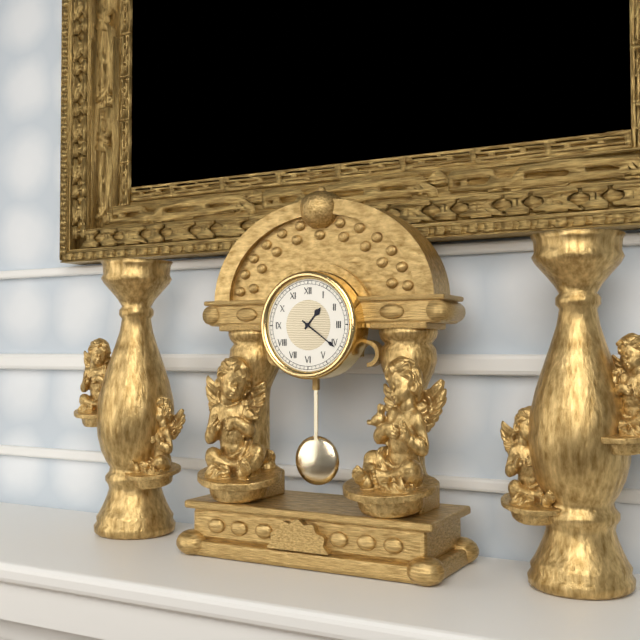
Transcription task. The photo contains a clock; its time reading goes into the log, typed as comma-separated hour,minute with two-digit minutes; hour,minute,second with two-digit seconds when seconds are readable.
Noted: 1,21
